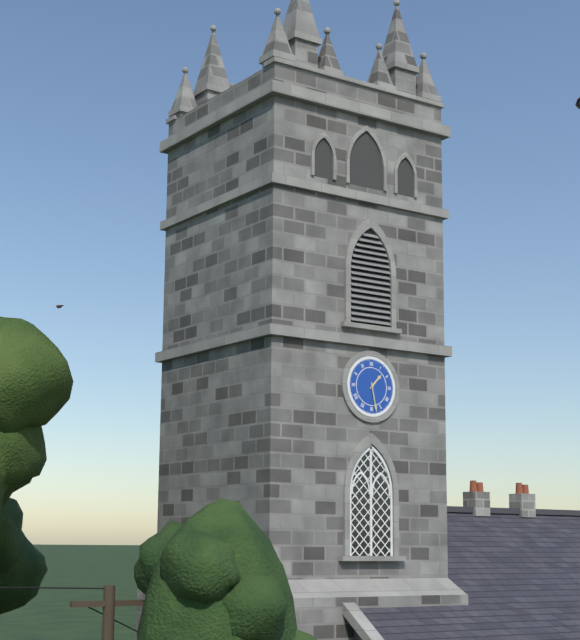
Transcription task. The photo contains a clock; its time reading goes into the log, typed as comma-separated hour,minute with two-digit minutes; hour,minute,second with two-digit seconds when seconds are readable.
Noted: 1,28
